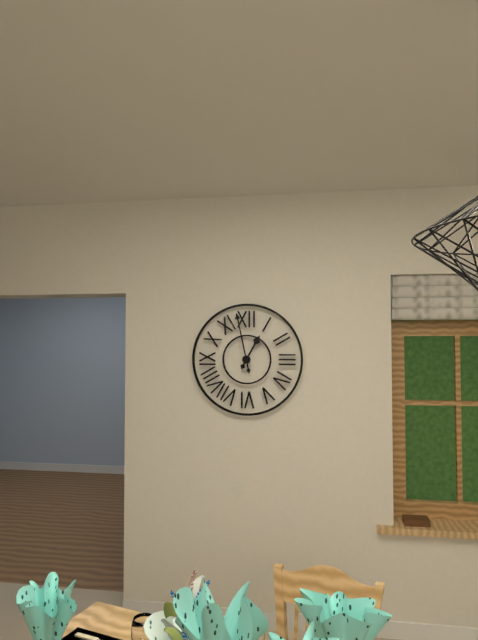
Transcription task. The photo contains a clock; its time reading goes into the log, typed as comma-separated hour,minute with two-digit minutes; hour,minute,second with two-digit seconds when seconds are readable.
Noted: 12,58
